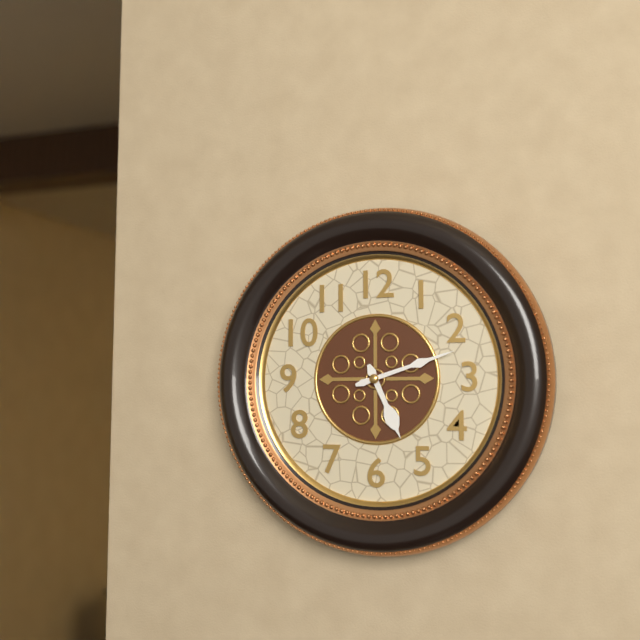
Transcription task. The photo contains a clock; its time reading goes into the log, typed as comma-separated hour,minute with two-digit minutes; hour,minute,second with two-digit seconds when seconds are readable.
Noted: 5,12
